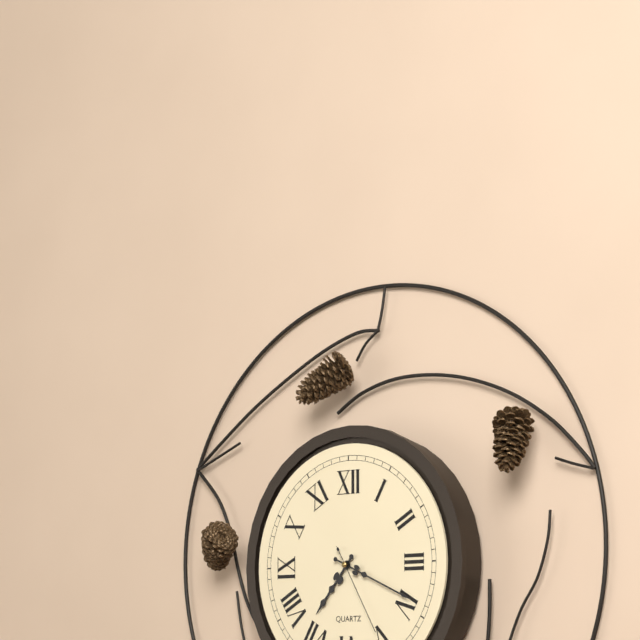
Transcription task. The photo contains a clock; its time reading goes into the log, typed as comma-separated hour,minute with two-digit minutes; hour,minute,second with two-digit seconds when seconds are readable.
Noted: 7,19,25
